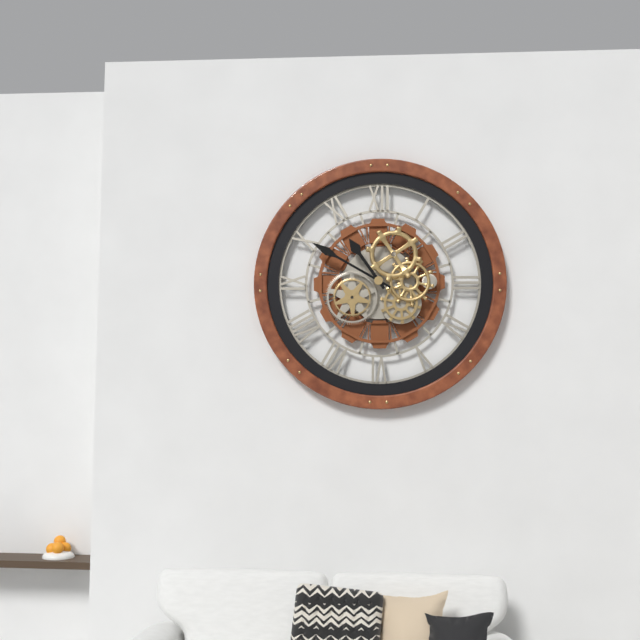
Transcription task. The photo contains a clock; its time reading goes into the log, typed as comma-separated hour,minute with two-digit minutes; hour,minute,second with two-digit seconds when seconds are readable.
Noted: 10,50
